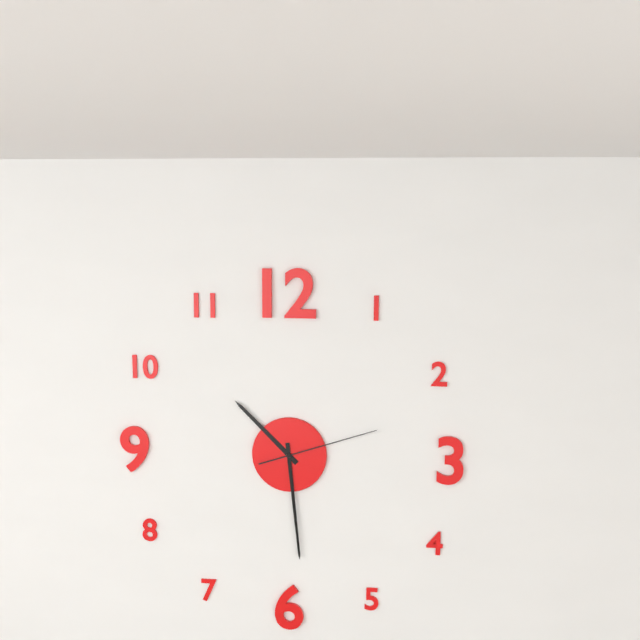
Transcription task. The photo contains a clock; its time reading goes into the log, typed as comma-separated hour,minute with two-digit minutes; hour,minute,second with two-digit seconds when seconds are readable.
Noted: 10,29,12
